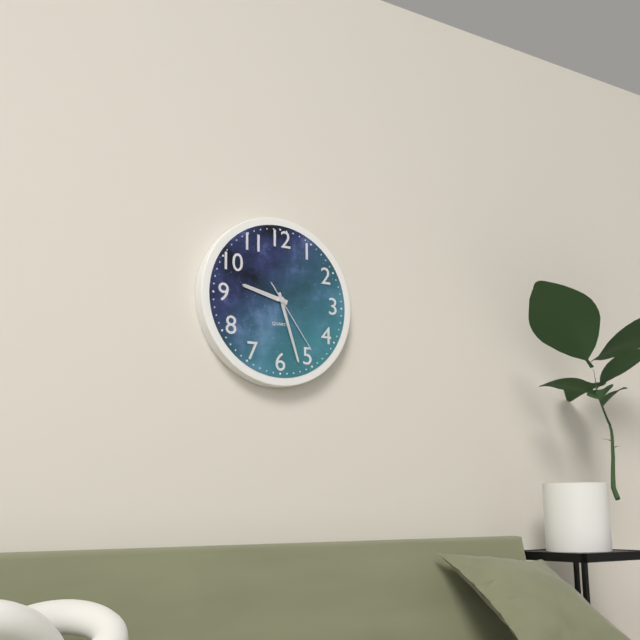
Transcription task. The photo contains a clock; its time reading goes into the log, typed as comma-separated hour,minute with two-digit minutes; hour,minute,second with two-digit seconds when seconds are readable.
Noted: 9,27,24
